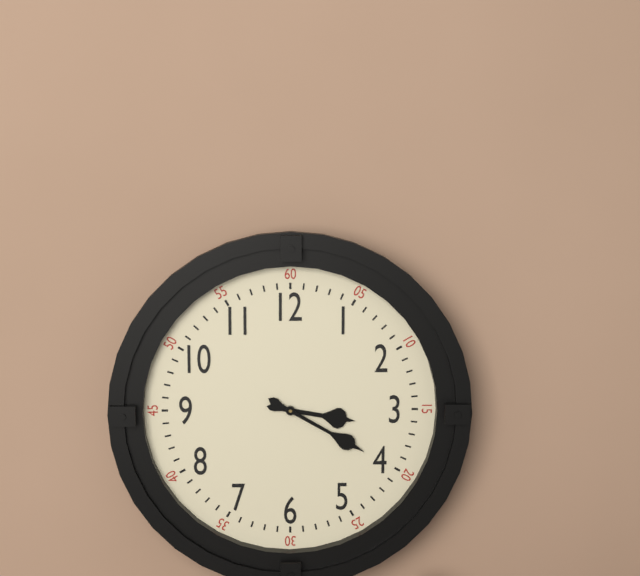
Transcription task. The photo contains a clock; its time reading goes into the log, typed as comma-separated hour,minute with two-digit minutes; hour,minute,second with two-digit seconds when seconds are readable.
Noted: 3,20
